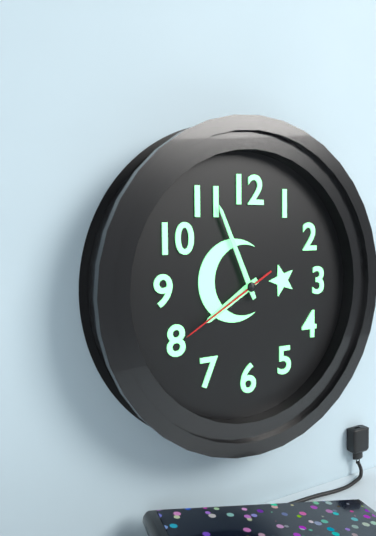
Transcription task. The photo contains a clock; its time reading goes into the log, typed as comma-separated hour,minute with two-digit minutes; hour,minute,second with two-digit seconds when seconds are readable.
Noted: 7,56,40
